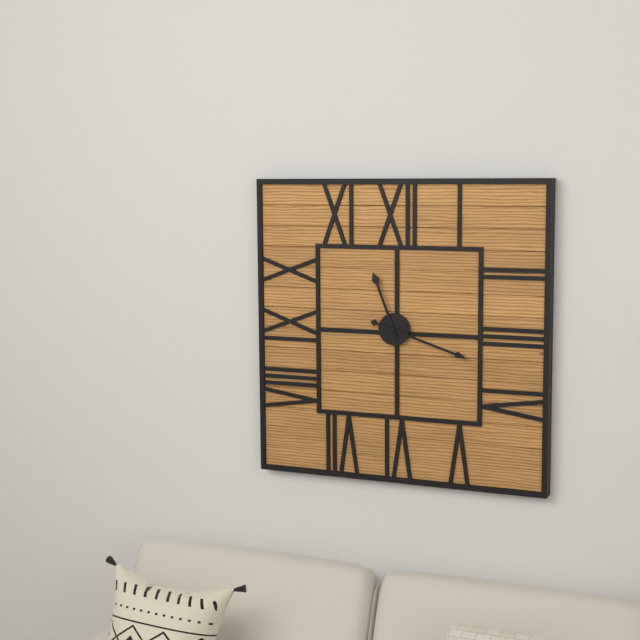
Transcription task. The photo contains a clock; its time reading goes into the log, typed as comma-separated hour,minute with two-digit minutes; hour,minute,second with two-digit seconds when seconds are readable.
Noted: 11,18
